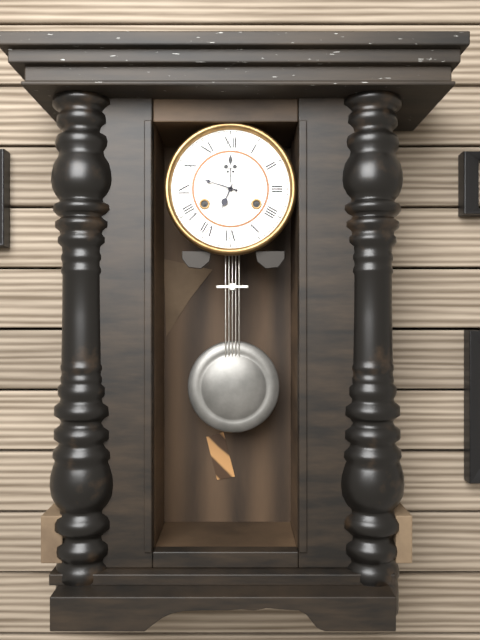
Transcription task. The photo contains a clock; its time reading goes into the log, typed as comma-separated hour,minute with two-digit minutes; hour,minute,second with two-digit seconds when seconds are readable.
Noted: 6,48
